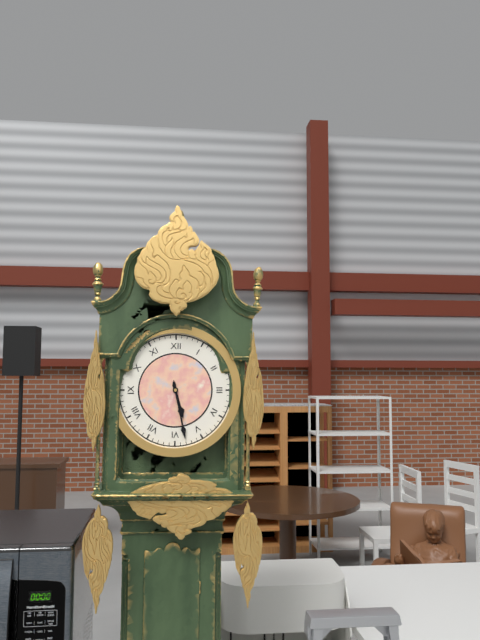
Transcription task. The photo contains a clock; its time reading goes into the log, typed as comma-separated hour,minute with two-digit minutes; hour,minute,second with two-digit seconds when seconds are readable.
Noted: 5,28
